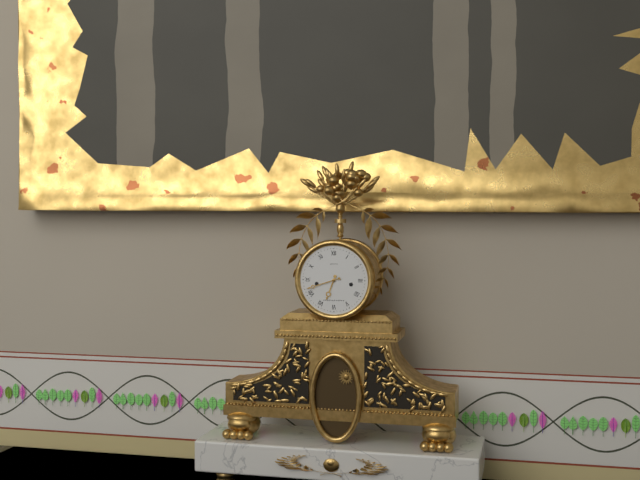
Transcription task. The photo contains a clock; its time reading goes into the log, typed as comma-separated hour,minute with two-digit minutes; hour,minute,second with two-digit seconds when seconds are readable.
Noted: 6,42
